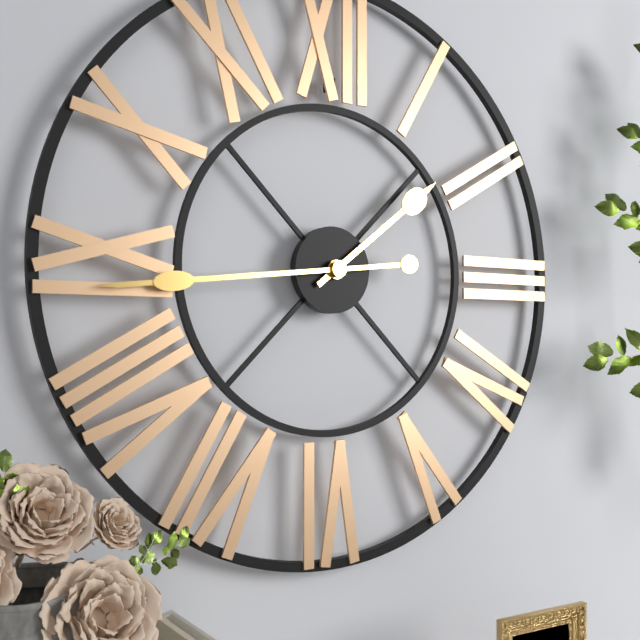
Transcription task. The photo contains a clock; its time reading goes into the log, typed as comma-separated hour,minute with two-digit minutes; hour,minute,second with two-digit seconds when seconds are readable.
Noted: 1,44
